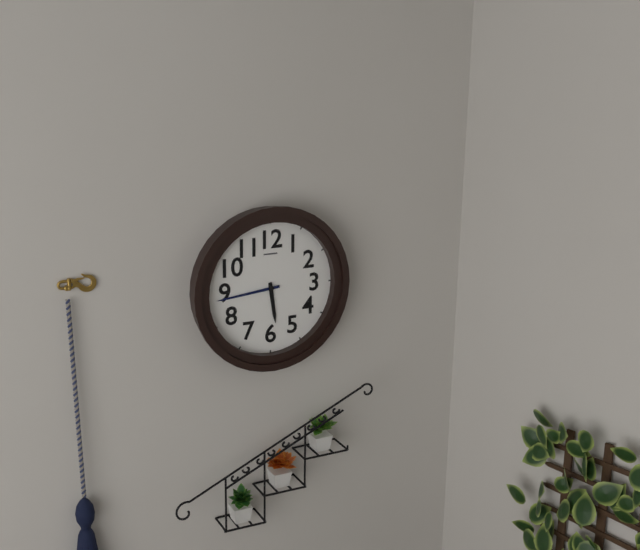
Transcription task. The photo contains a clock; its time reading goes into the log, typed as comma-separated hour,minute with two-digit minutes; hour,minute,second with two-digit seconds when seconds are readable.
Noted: 5,44
